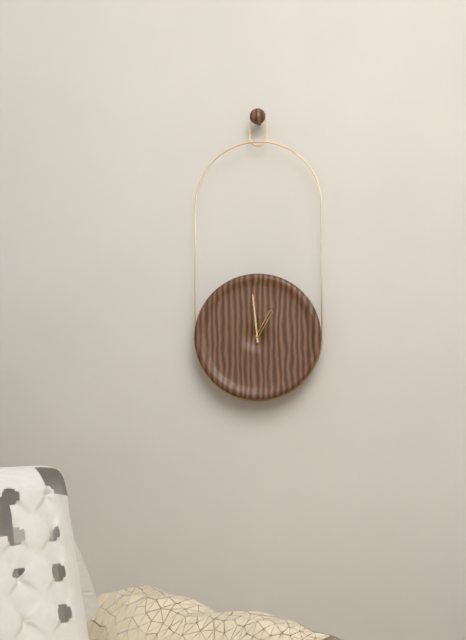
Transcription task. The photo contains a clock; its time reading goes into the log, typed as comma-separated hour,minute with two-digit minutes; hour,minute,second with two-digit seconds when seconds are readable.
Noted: 12,59
